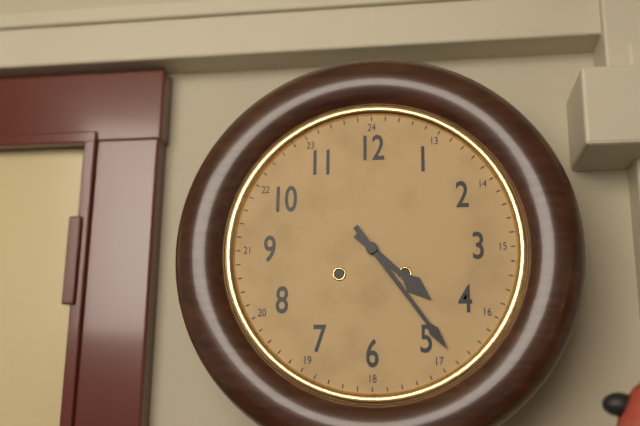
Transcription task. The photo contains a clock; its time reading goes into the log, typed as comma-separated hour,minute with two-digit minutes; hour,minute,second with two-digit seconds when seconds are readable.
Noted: 4,24
